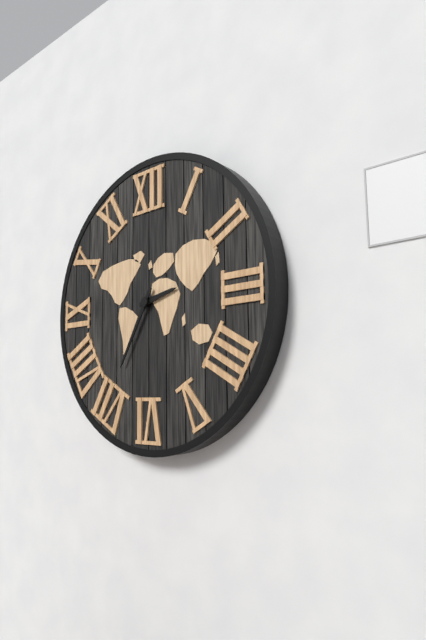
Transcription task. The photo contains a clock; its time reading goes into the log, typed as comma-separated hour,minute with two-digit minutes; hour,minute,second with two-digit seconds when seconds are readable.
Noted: 2,35
